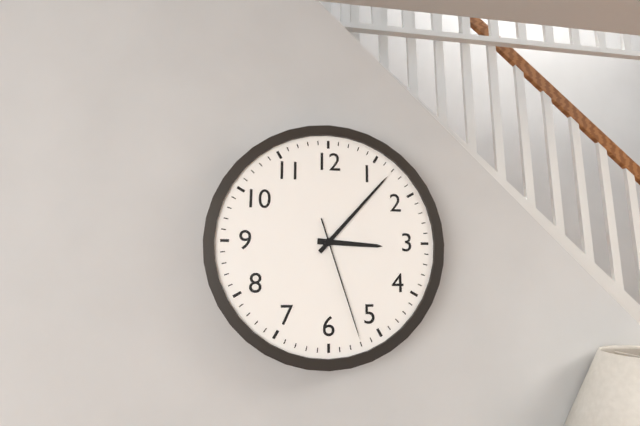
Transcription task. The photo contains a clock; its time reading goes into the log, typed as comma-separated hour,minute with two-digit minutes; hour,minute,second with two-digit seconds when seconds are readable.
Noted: 3,07,27
